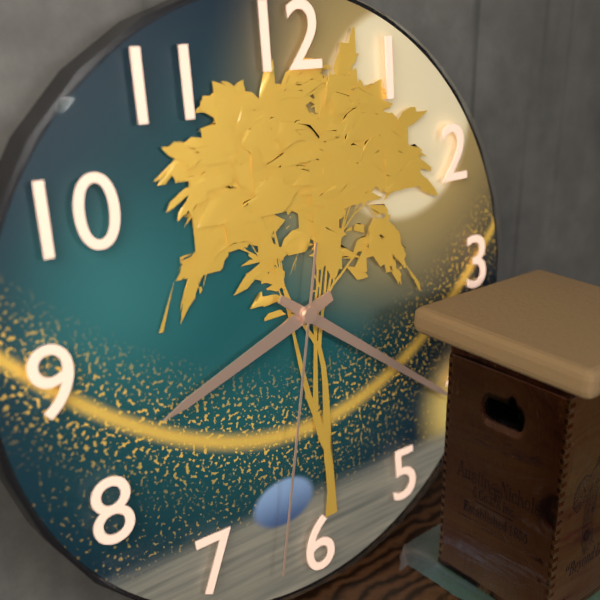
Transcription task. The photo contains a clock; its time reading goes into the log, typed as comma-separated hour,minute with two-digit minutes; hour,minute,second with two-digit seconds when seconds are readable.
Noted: 8,21,32
